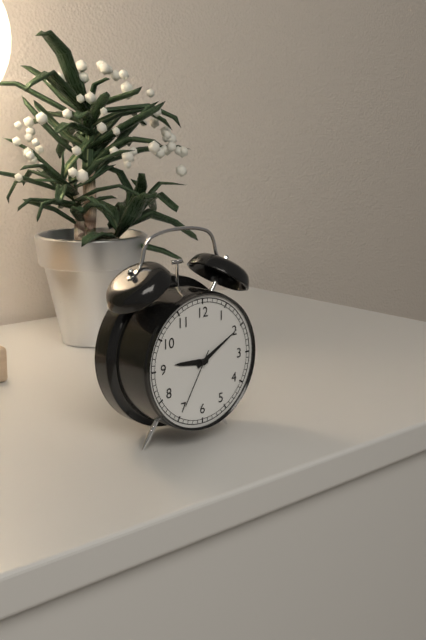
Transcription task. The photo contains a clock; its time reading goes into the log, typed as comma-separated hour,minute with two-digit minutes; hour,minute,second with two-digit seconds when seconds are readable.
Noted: 9,10,35
